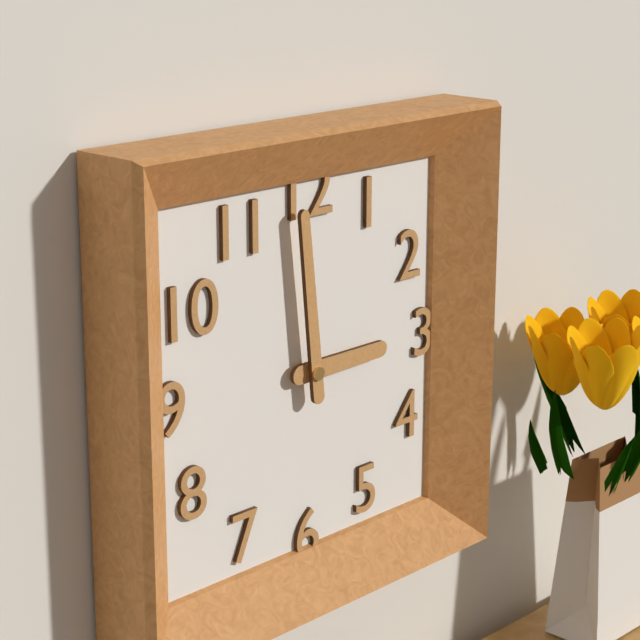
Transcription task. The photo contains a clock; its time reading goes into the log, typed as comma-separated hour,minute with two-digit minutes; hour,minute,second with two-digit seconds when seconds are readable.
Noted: 2,59
